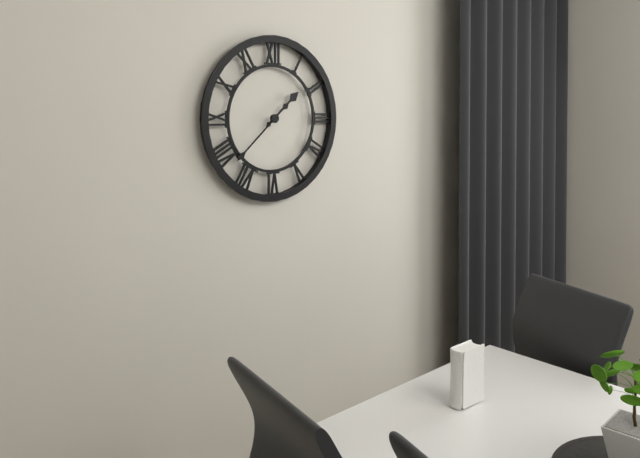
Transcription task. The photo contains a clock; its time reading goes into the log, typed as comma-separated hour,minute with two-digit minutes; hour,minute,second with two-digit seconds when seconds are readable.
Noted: 1,38
